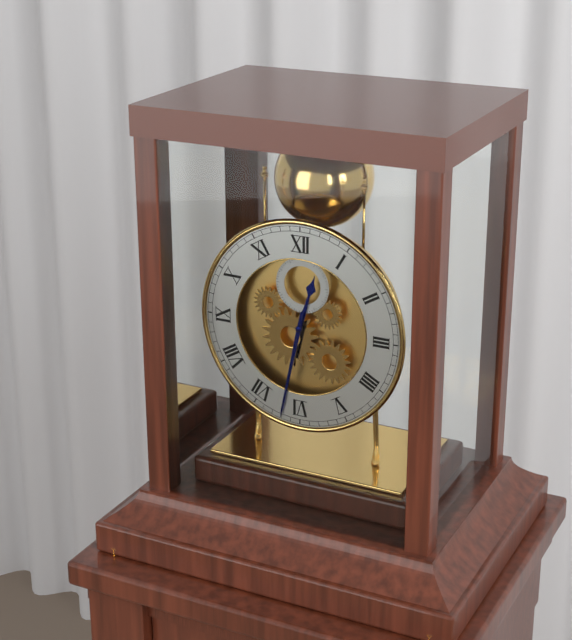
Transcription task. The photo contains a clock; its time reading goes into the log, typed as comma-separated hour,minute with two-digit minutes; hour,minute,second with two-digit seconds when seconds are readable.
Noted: 12,32
